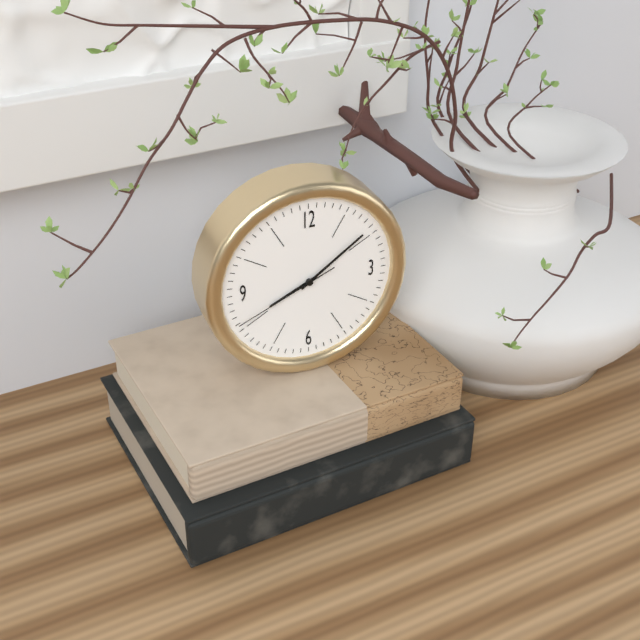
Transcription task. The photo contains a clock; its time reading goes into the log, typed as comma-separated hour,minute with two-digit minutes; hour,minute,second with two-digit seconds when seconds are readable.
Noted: 8,09,41
